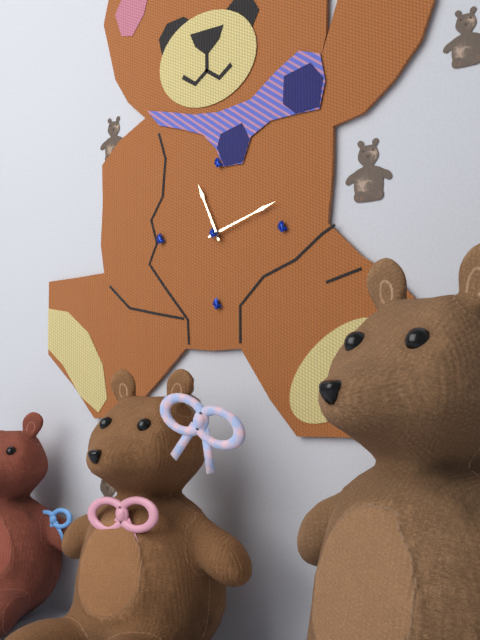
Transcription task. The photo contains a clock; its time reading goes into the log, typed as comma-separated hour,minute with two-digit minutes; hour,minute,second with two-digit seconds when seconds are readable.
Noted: 11,12
